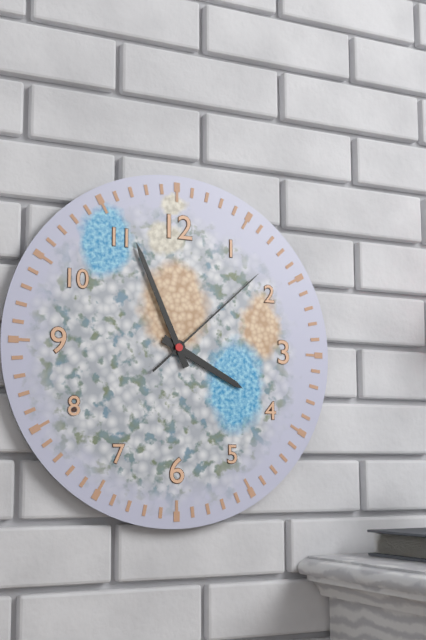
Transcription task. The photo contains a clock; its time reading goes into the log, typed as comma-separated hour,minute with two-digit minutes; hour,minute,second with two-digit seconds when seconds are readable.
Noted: 3,56,08
